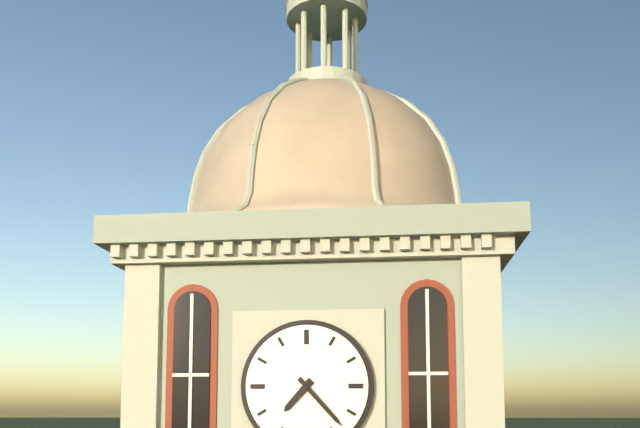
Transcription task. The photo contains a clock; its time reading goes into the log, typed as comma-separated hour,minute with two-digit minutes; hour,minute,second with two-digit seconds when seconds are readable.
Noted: 7,23
